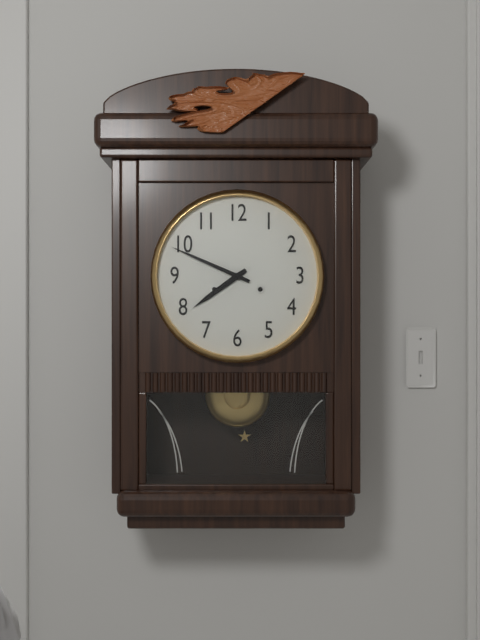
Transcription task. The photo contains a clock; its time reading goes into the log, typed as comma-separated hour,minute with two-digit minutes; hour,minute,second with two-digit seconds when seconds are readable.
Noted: 7,49
